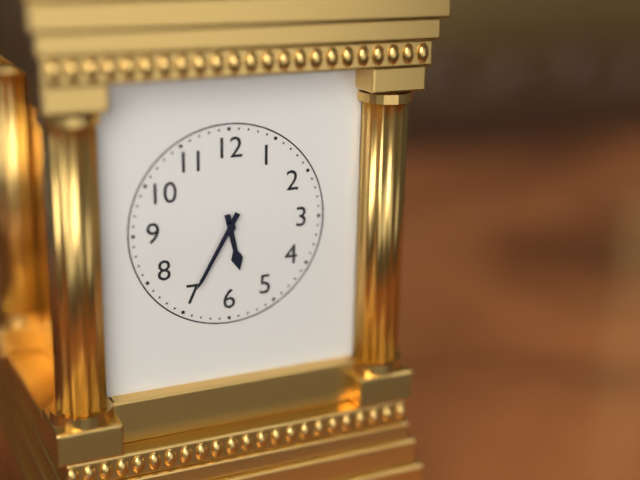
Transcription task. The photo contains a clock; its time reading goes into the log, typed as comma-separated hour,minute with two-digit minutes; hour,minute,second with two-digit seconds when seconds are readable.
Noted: 5,35
